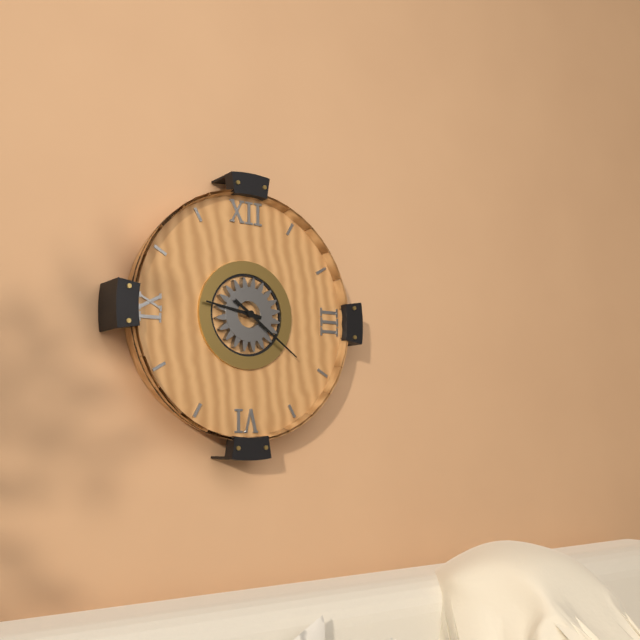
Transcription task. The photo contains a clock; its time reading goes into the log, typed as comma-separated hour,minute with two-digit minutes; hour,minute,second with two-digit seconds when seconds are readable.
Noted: 9,21
